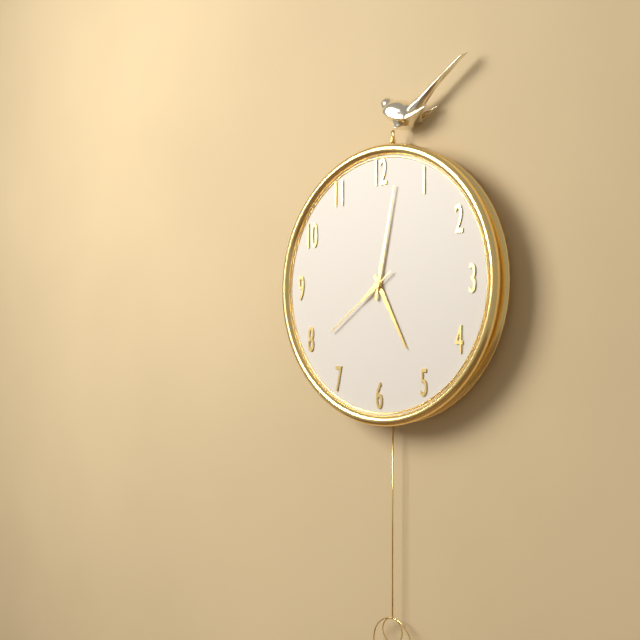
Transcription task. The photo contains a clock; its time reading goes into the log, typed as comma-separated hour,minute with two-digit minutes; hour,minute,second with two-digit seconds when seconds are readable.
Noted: 5,02,39
